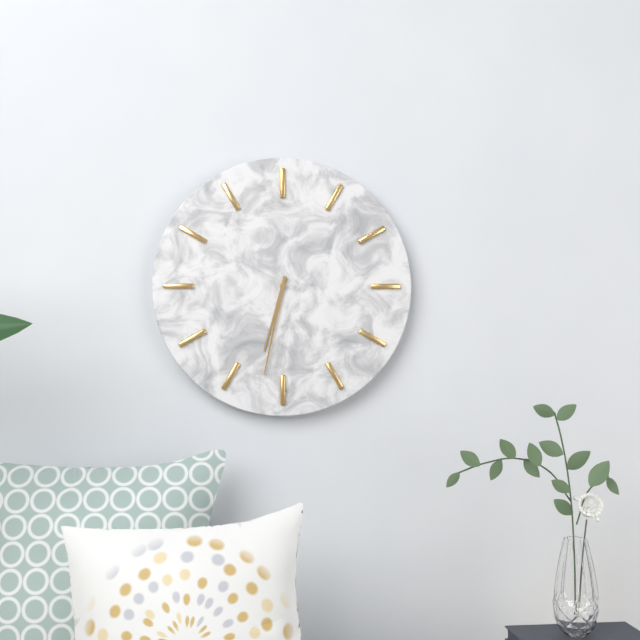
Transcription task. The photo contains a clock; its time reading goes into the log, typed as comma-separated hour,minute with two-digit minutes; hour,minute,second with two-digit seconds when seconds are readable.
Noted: 6,32
